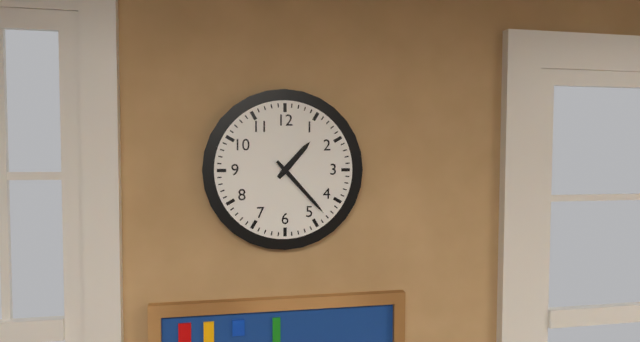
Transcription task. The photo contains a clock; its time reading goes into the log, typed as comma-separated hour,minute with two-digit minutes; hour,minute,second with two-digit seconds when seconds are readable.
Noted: 1,23
